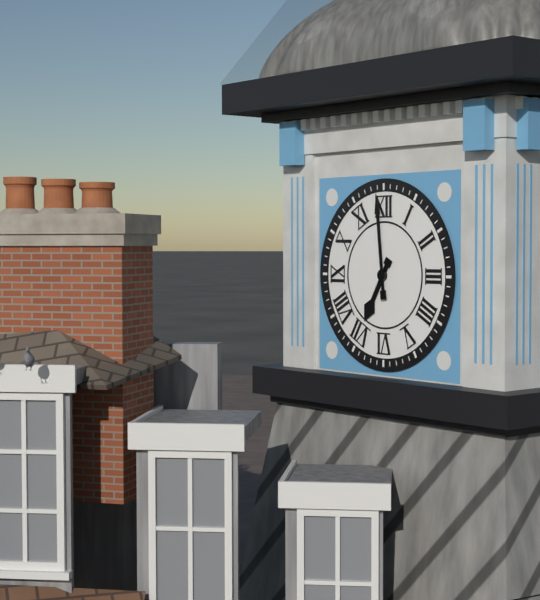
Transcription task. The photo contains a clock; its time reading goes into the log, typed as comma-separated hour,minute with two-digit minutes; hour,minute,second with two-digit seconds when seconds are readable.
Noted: 6,59
